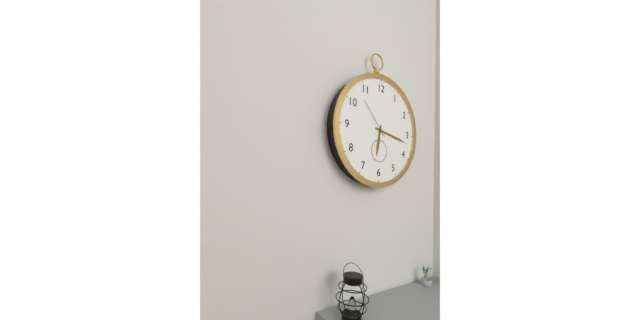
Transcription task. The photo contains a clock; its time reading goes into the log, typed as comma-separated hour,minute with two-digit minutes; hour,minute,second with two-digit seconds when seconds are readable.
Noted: 6,17
